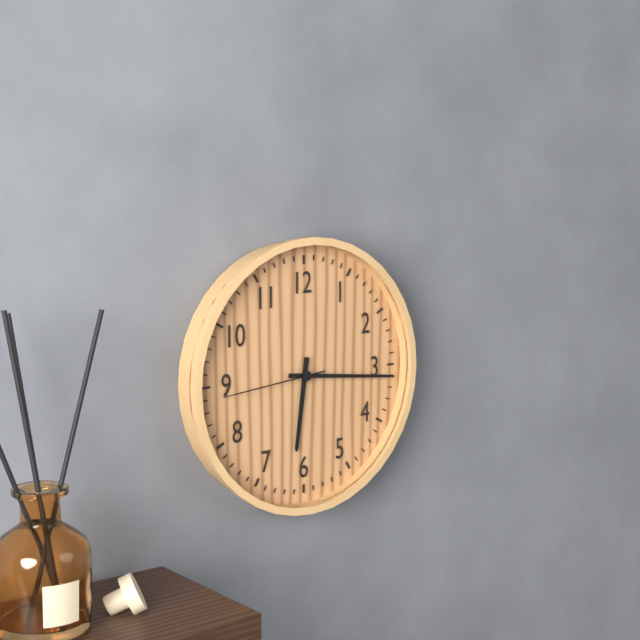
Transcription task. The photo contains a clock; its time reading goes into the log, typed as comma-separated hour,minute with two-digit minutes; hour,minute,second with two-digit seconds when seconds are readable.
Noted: 6,16,44
